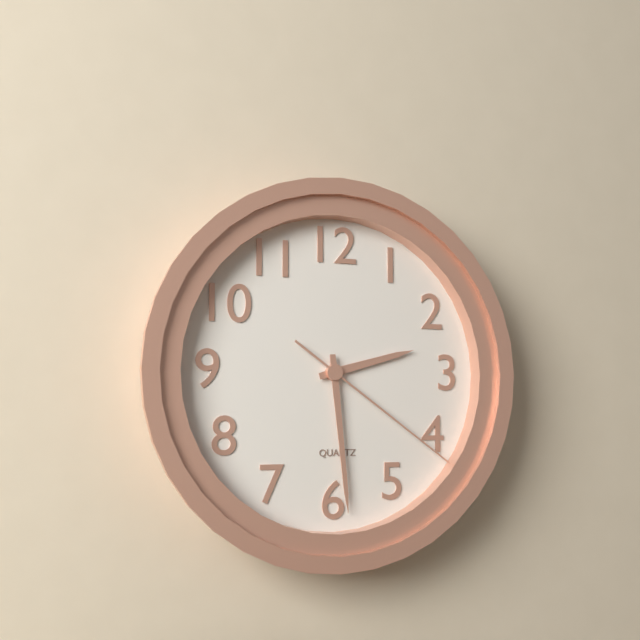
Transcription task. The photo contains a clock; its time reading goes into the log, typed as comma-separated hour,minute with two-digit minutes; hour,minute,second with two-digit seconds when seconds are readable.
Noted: 2,29,21
